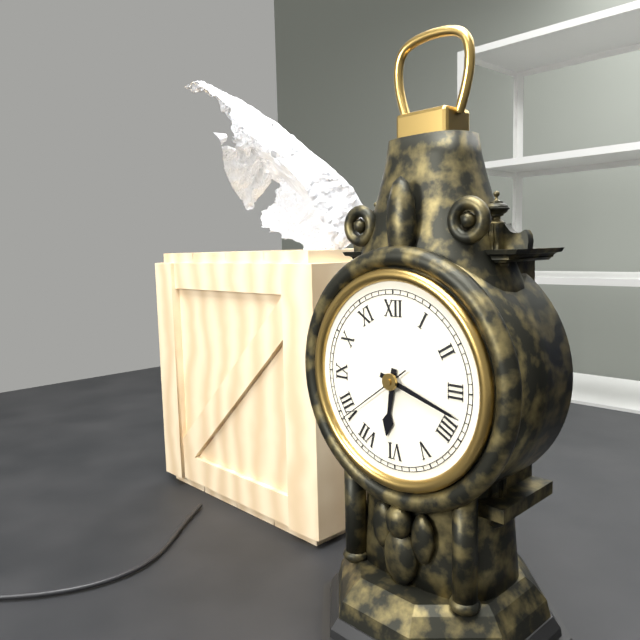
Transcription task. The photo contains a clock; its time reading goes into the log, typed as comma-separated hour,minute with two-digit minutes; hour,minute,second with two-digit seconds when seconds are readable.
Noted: 6,18,39
